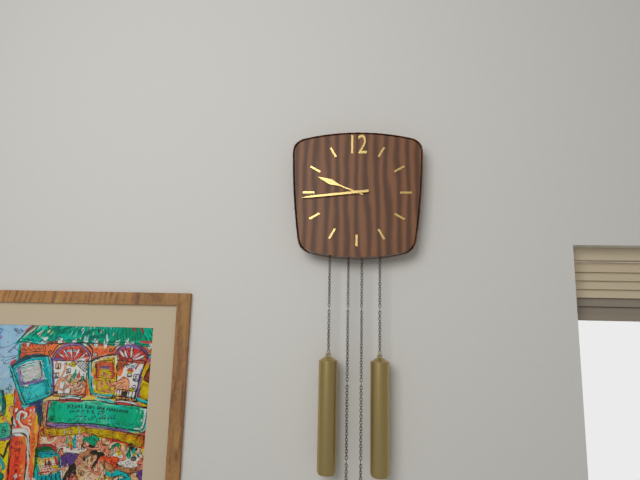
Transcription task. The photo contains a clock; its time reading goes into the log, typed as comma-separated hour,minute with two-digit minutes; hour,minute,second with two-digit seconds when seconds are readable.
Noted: 9,44
